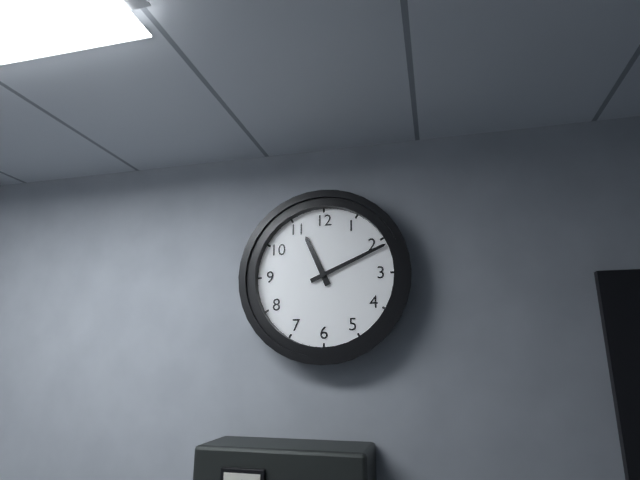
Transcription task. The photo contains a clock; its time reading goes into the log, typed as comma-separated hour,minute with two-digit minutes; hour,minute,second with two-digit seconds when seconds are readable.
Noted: 11,11
